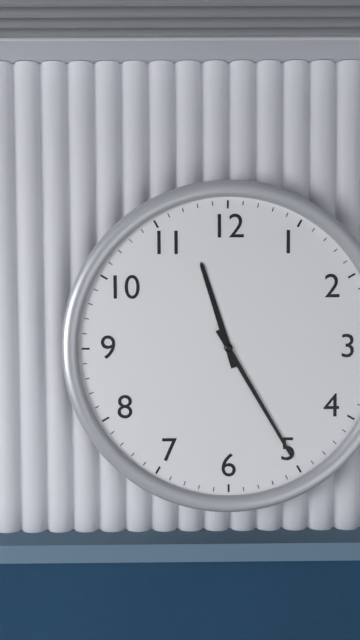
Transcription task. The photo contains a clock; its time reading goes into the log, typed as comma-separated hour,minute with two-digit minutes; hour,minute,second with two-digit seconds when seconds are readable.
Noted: 11,25
